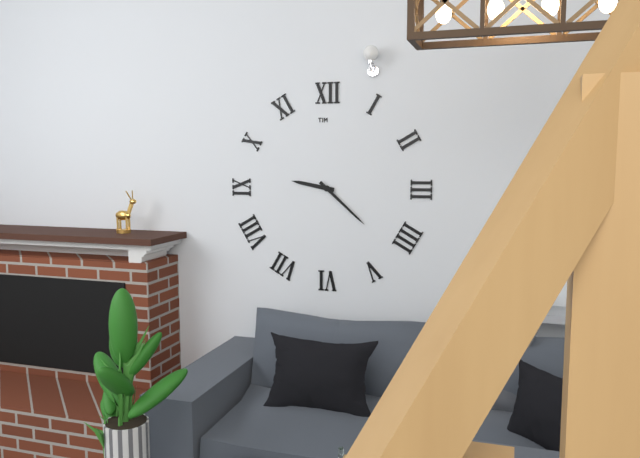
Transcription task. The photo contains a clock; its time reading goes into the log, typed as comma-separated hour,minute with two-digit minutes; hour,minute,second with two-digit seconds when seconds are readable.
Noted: 9,22
